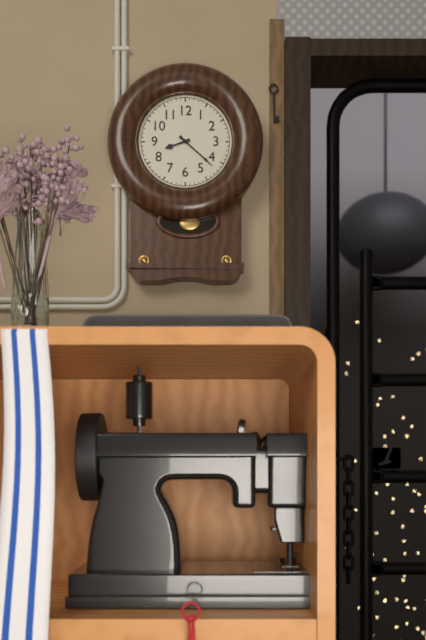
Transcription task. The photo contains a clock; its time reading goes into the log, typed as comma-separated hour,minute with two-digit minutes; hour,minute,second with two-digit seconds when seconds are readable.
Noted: 8,22
